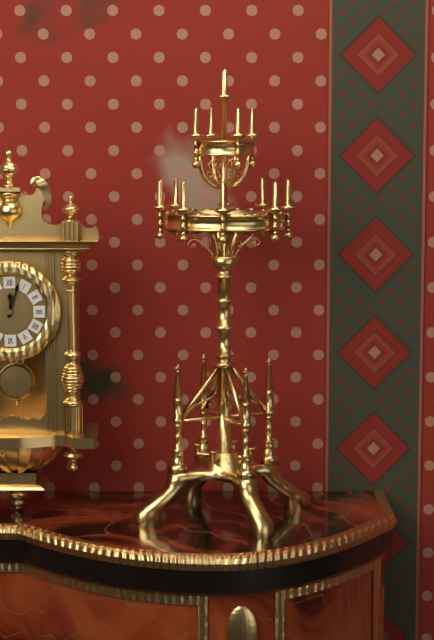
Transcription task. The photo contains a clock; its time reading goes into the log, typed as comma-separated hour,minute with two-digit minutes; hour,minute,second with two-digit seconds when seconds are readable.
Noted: 12,03
